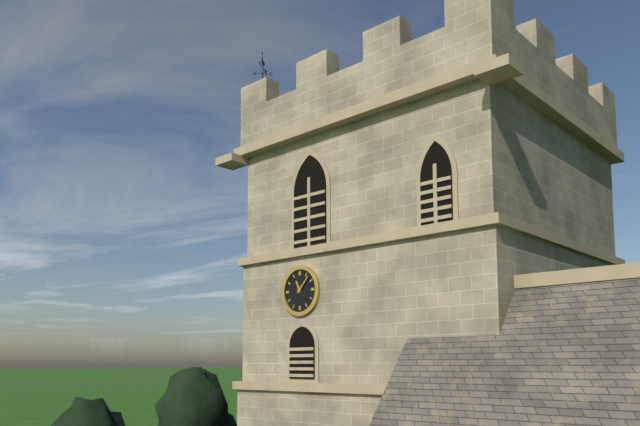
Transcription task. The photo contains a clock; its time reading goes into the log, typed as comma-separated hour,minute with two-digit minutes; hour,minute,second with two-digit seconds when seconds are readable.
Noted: 11,07
